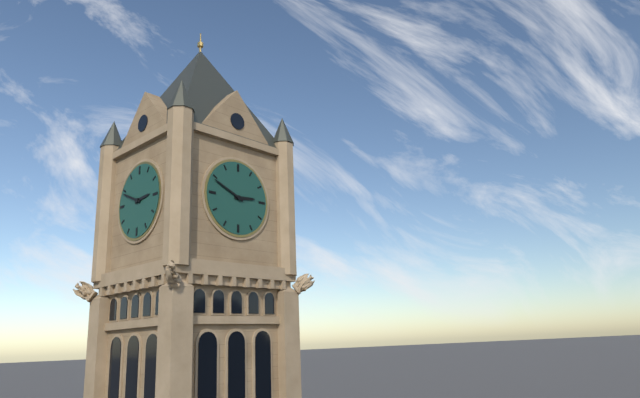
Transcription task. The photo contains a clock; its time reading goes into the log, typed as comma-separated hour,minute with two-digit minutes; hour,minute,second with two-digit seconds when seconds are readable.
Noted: 2,49
